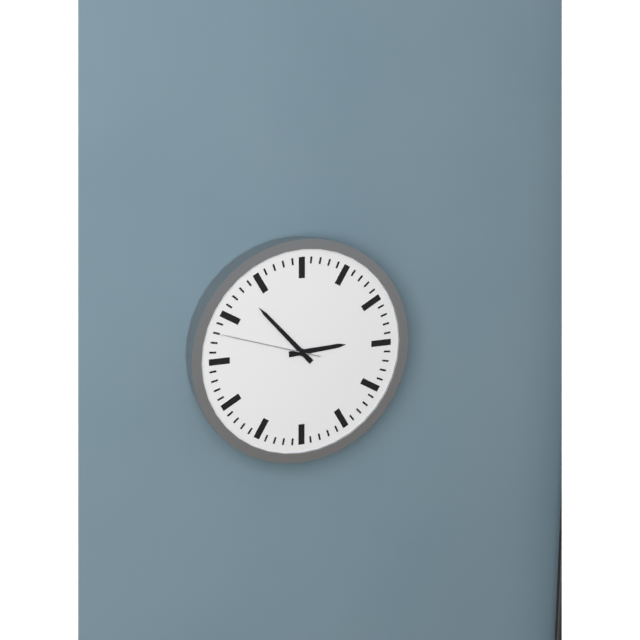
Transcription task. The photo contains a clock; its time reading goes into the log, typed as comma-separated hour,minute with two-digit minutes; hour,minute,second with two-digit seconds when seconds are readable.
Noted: 2,53,48
